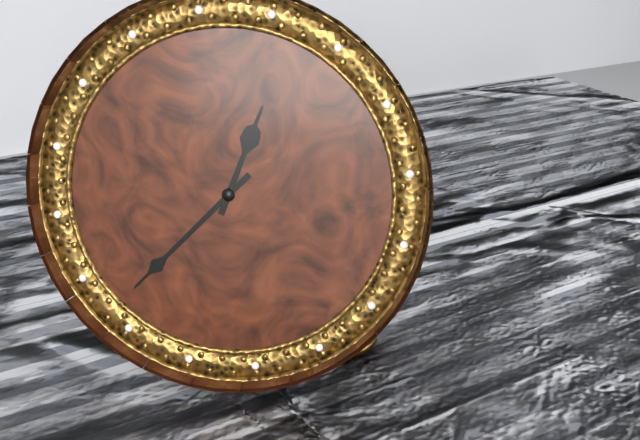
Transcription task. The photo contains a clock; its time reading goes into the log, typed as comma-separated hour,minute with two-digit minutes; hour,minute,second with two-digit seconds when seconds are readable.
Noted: 12,37
